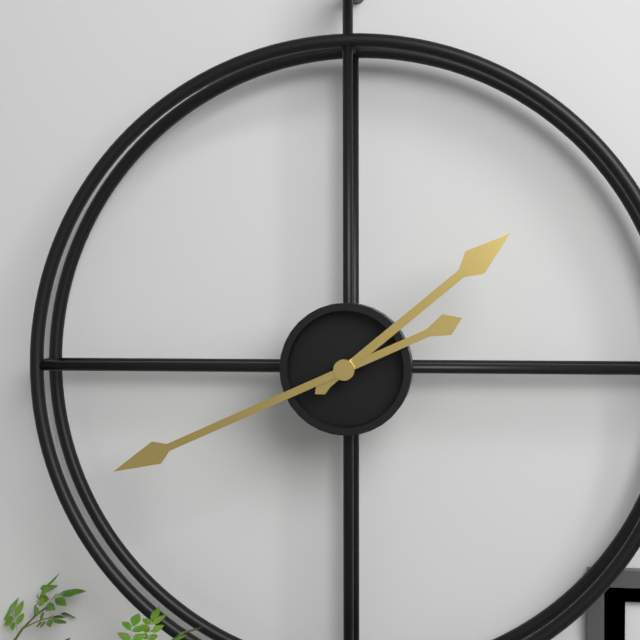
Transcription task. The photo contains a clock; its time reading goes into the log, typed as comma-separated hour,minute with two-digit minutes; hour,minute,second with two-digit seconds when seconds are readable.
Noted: 1,41
